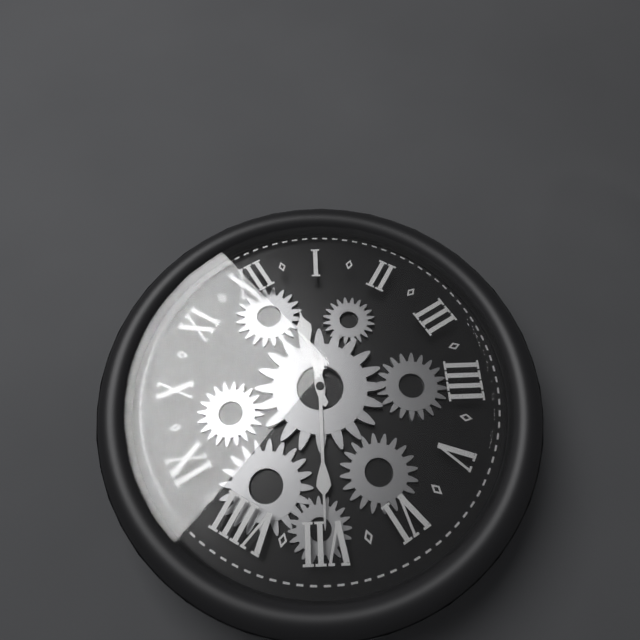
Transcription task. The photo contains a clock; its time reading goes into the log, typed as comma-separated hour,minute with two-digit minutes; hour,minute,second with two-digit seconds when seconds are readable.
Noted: 12,35
